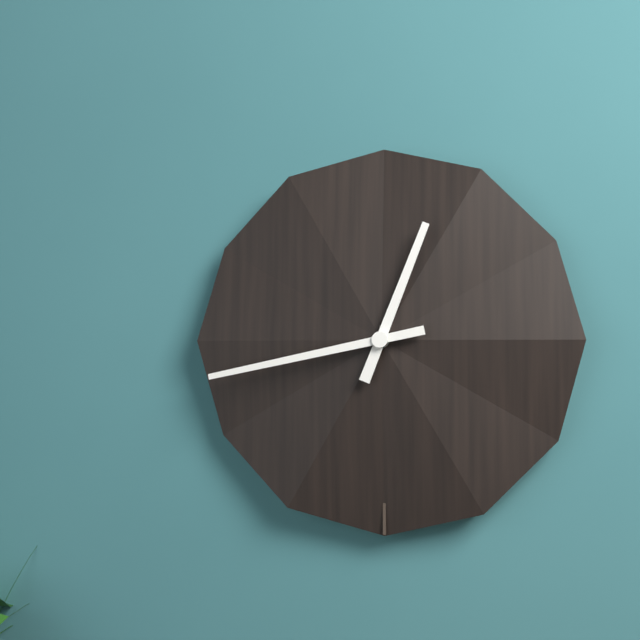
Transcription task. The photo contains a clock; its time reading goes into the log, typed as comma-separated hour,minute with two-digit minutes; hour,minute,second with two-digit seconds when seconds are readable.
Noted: 12,43
